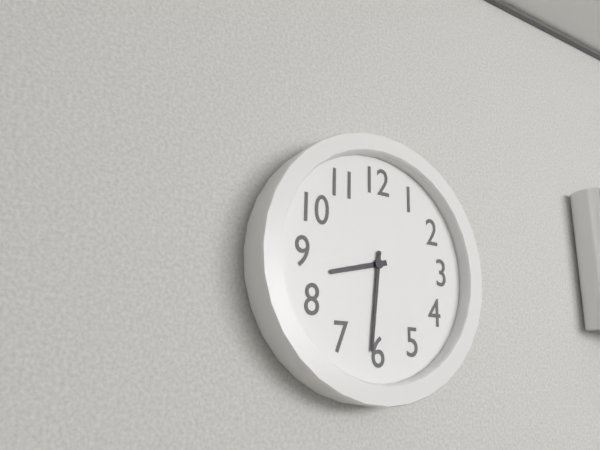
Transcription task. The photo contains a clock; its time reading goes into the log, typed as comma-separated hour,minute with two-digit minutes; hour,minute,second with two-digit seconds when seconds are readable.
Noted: 8,31
